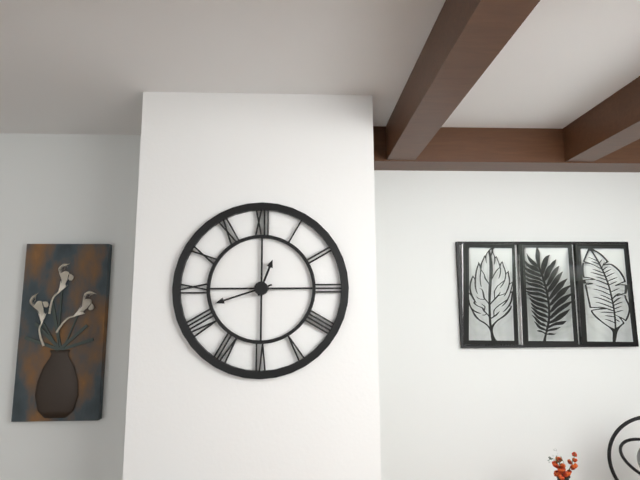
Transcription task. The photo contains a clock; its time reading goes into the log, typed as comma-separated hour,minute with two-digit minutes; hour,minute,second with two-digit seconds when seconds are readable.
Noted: 12,42
